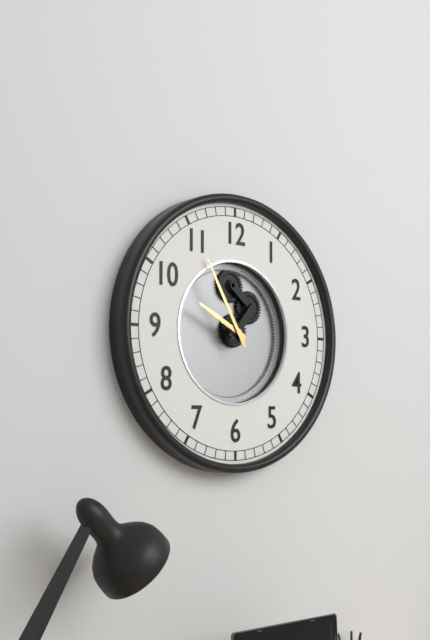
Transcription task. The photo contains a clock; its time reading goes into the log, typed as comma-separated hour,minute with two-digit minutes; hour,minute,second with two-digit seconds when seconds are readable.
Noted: 9,55
